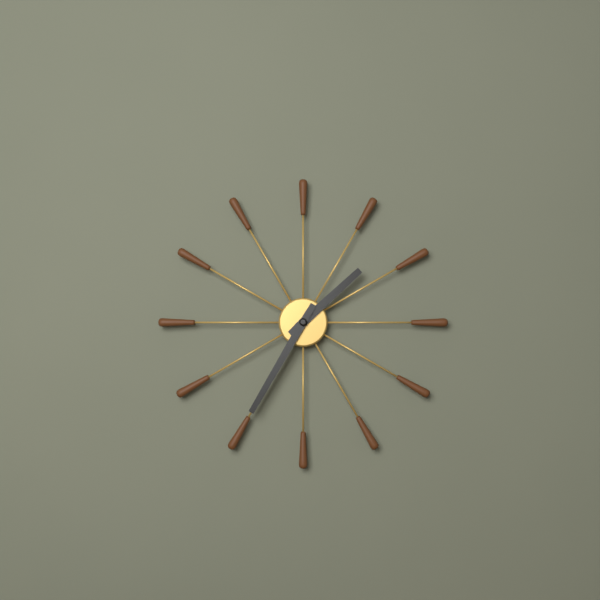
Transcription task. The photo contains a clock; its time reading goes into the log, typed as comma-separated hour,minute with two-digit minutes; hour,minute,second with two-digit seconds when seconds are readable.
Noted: 1,35
